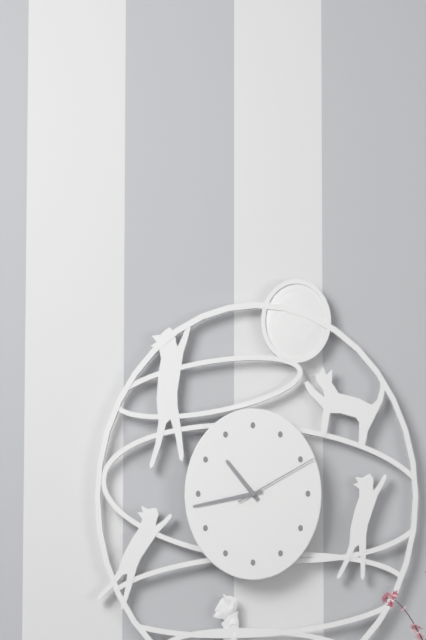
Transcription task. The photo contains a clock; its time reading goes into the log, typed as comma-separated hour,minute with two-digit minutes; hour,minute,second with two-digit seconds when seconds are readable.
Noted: 10,43,10
